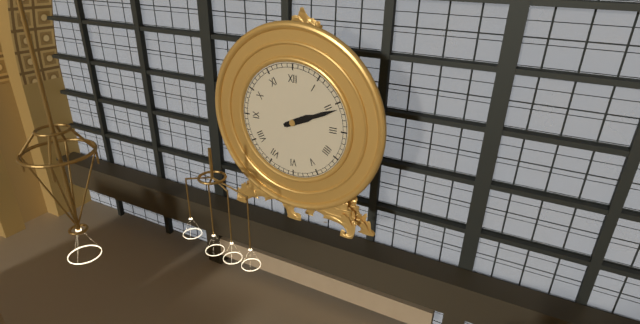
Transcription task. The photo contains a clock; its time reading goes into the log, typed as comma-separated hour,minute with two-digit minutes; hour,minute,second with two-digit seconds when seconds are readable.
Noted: 2,11
